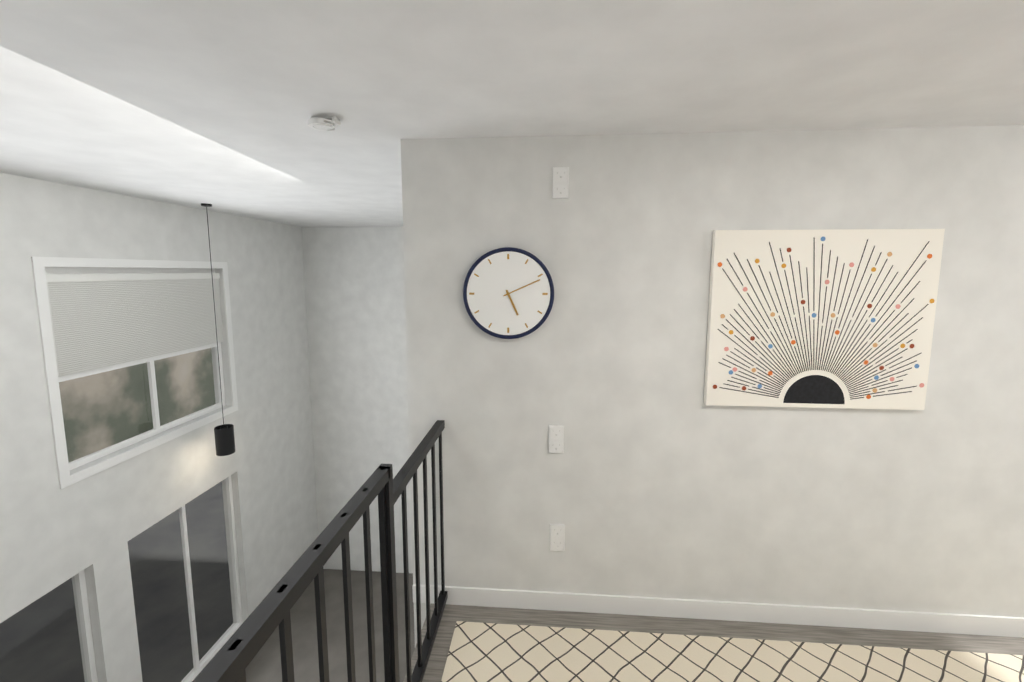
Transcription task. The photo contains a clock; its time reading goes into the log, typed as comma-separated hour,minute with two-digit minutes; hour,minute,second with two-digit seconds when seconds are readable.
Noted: 5,11
